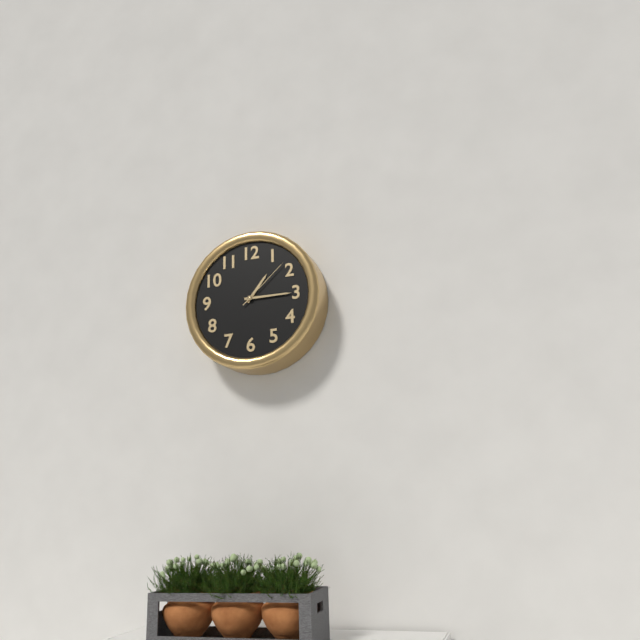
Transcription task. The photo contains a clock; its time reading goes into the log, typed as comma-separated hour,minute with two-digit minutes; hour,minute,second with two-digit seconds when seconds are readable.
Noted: 1,15,08
